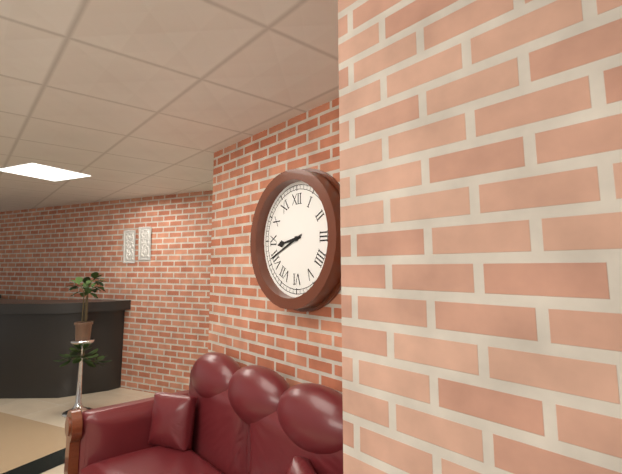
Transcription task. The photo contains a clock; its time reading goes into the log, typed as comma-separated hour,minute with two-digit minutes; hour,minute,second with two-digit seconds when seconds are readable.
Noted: 8,41
